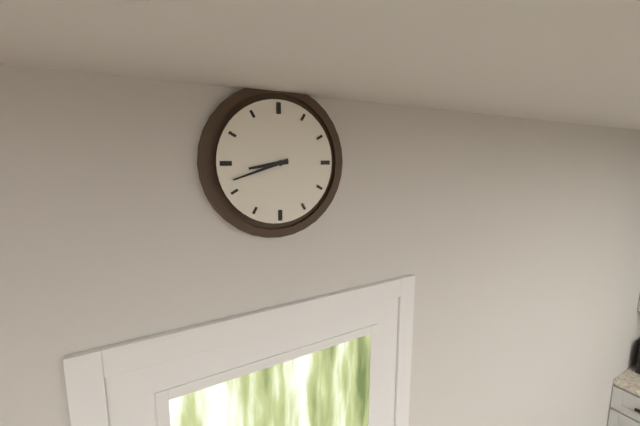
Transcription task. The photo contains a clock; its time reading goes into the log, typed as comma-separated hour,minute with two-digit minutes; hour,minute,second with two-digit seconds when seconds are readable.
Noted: 8,42
